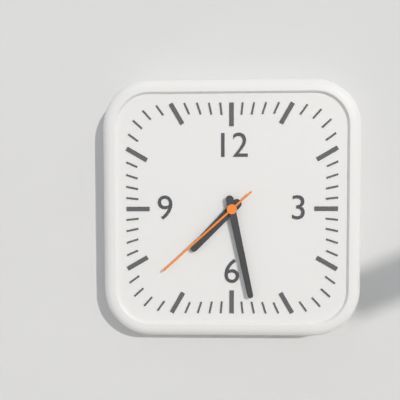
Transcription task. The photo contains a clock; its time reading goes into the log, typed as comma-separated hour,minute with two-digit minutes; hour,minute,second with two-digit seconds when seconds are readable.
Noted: 7,28,38
